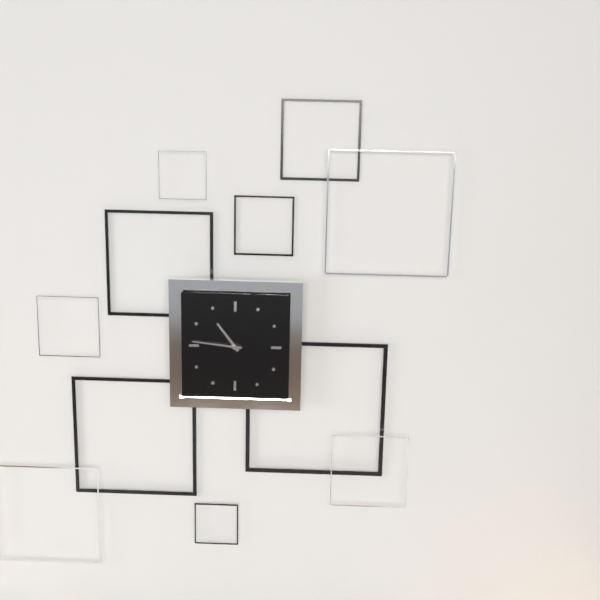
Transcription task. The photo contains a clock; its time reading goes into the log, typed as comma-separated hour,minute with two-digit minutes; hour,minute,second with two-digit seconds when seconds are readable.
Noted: 10,46
